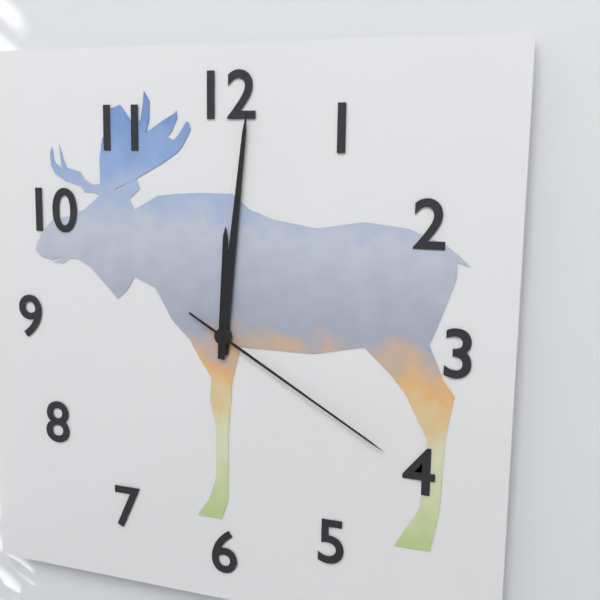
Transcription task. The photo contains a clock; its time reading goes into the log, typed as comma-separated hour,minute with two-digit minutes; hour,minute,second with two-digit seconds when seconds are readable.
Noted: 12,01,20
